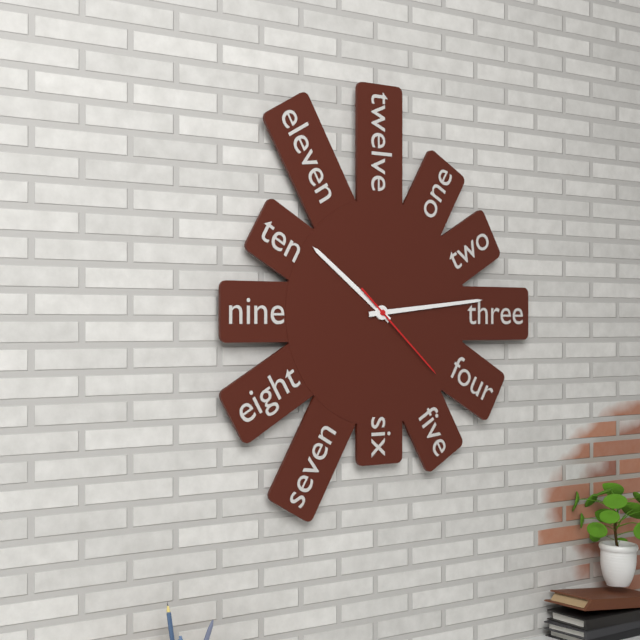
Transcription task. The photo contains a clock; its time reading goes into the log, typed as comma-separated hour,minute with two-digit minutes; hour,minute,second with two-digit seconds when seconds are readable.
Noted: 10,14,22
